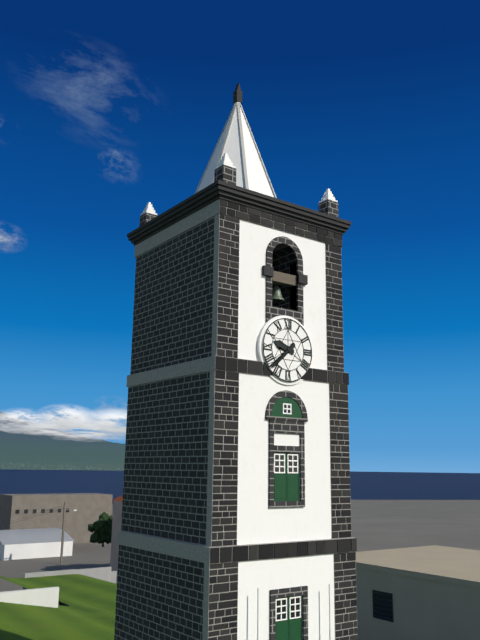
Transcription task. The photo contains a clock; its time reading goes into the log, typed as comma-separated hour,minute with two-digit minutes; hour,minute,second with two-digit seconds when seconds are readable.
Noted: 9,38
